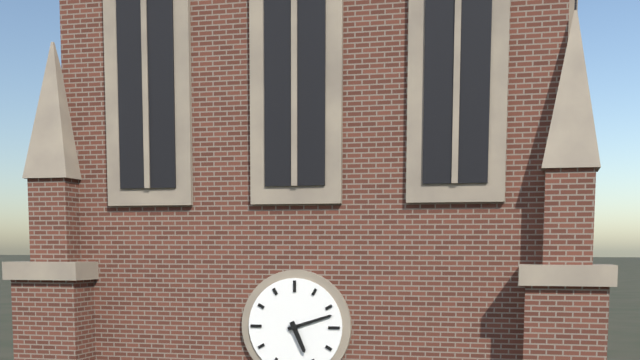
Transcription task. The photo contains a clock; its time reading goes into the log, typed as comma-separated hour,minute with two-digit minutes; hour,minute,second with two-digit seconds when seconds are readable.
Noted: 5,12
